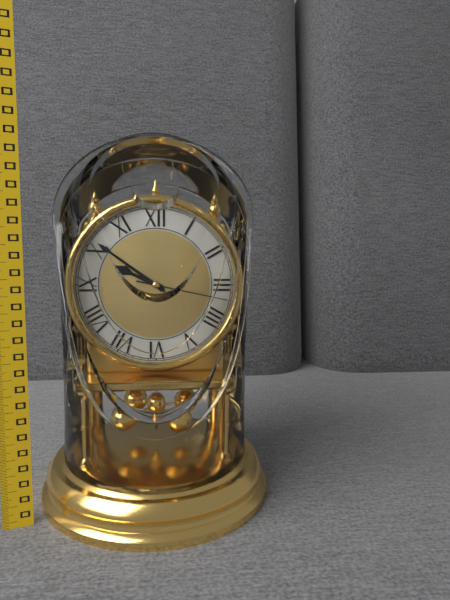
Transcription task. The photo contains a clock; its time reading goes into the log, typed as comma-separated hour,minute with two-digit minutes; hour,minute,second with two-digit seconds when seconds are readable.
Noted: 9,51,17
